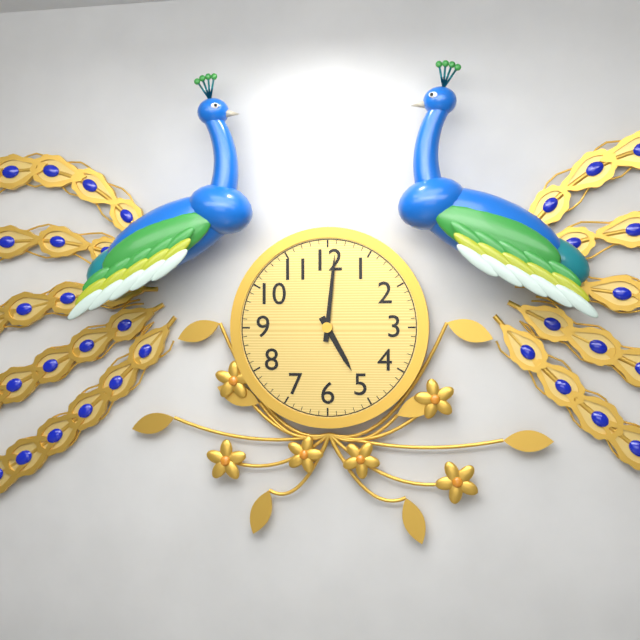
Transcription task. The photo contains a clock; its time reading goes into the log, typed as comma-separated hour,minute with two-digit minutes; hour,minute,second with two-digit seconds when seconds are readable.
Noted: 5,01
